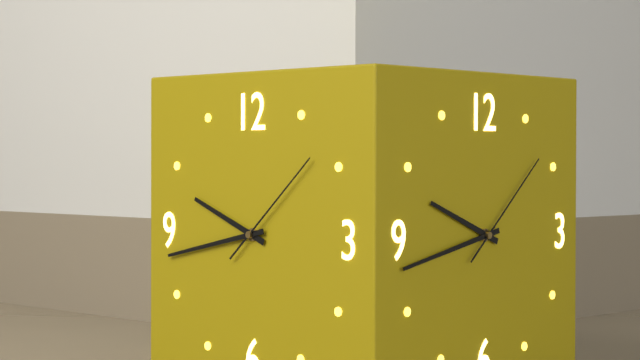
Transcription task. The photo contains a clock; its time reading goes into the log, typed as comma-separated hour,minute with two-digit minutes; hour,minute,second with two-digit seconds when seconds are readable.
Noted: 9,43,08
